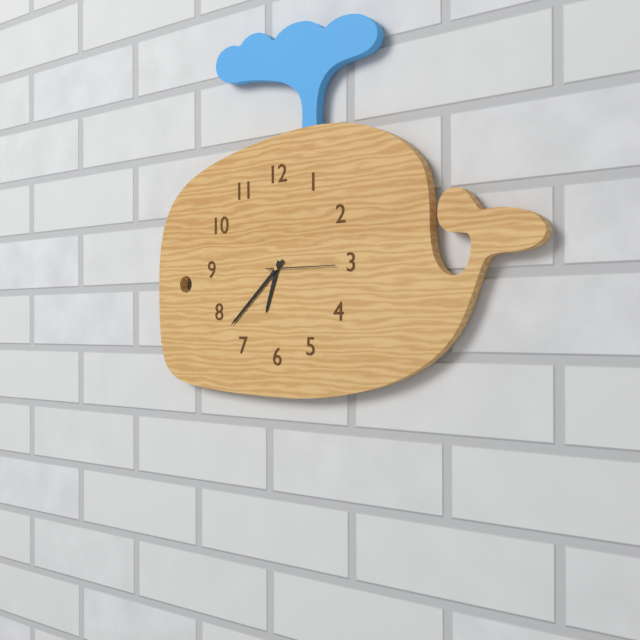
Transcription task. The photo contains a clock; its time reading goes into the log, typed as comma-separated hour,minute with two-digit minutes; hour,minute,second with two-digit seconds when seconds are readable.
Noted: 6,38,15
